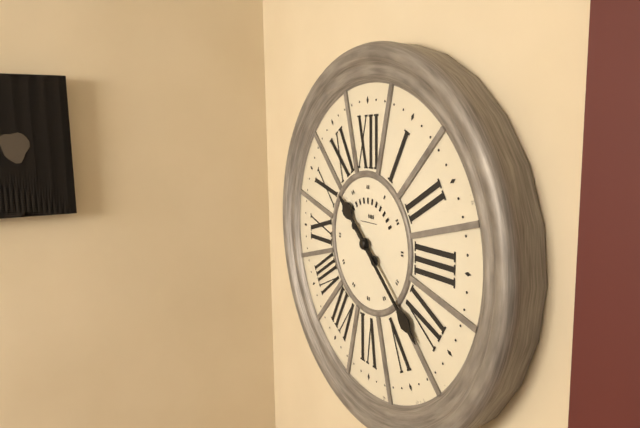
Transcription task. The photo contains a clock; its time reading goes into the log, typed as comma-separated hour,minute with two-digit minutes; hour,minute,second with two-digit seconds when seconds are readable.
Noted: 10,22
